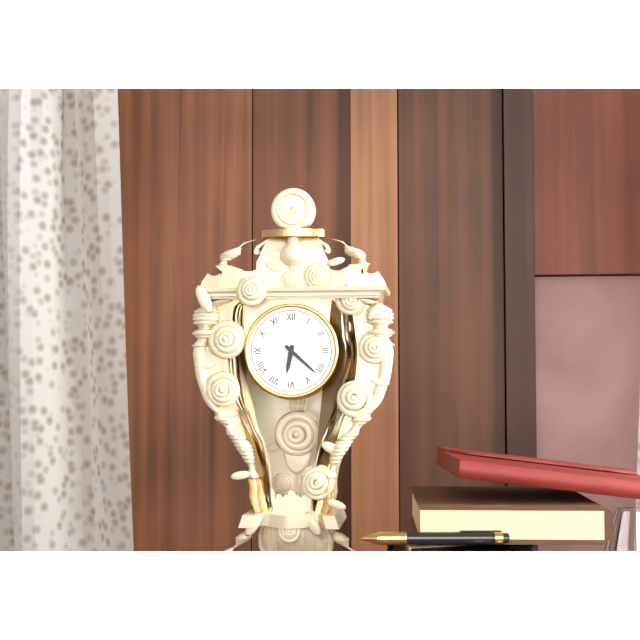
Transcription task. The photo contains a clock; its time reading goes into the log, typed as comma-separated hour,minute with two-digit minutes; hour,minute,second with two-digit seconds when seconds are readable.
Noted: 6,22
